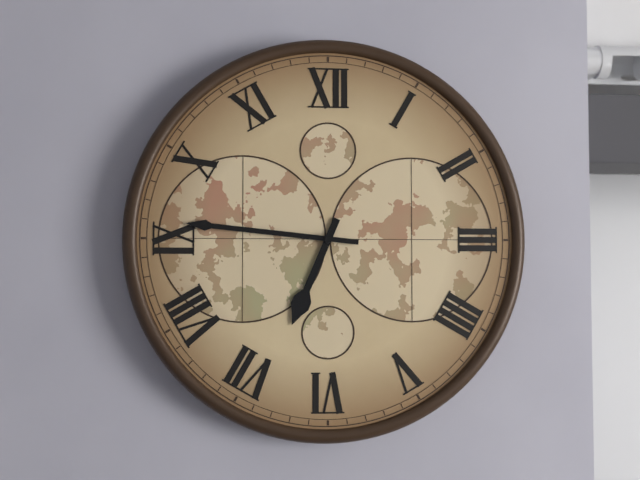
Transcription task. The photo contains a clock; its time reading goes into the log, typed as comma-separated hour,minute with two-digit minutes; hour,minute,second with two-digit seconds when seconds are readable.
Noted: 6,46
